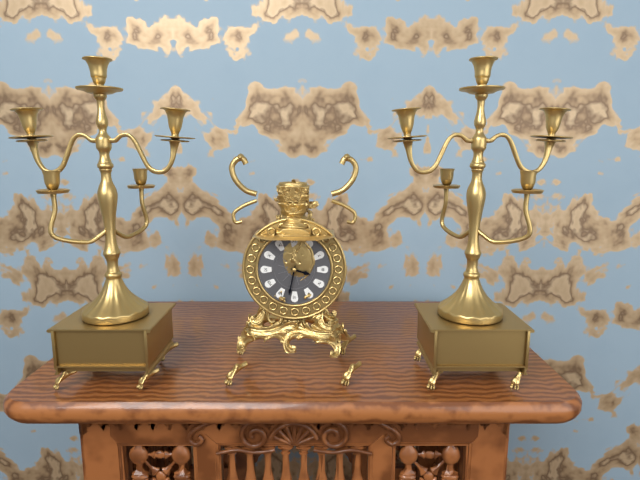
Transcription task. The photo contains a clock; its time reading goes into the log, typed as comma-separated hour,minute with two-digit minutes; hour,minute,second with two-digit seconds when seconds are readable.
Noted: 3,32
